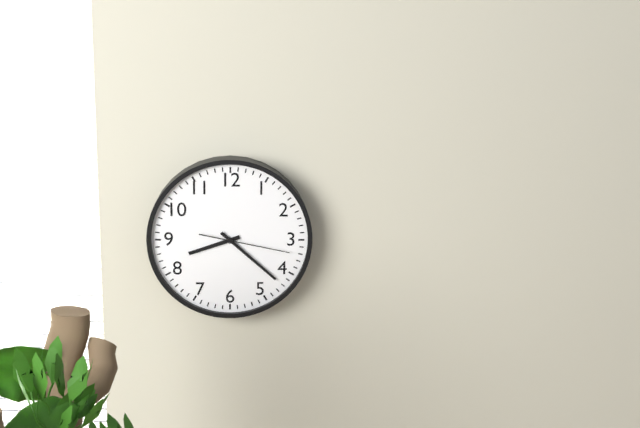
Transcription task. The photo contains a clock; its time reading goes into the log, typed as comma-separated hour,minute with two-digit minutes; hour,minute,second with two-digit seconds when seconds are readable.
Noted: 8,22,17
